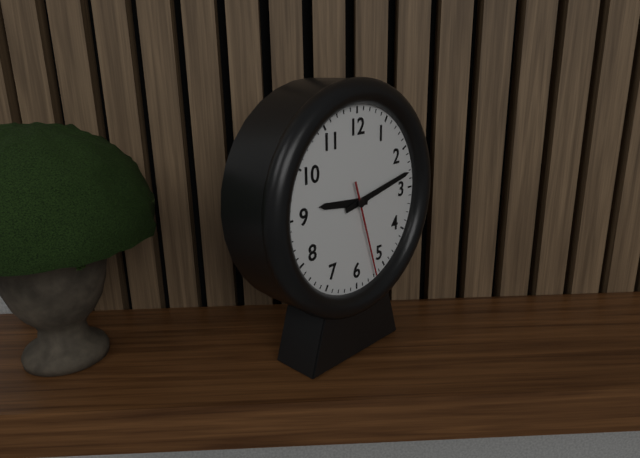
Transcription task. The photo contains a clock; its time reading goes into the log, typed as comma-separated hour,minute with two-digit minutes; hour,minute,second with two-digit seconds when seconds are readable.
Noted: 9,13,27
